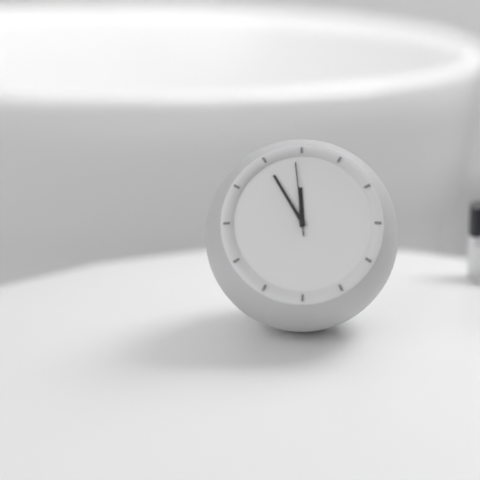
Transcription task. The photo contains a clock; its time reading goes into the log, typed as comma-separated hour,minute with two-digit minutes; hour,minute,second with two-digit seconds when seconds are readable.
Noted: 11,55,59
